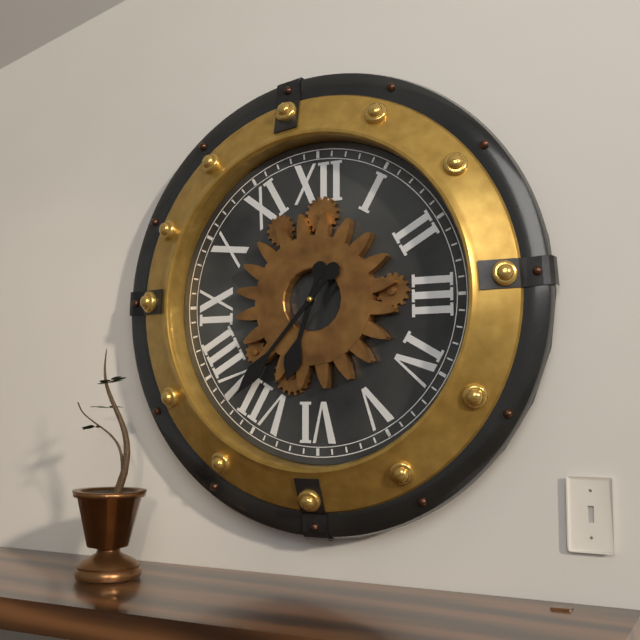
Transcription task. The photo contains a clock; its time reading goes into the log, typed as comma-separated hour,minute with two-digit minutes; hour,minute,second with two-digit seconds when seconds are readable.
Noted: 6,37
